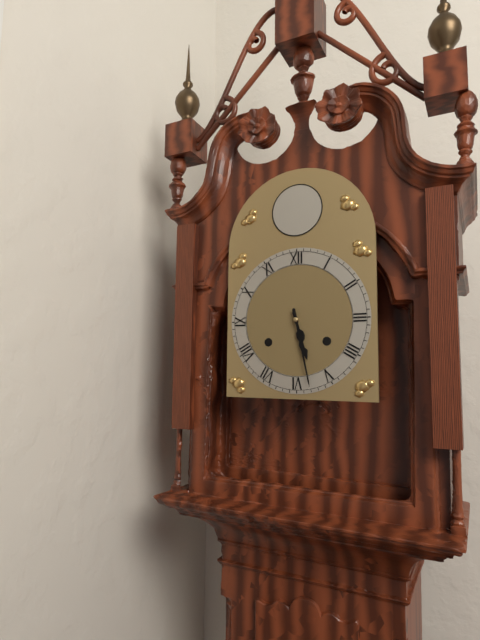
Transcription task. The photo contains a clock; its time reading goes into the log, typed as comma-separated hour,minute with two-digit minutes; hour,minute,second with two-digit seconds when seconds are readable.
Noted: 5,28
